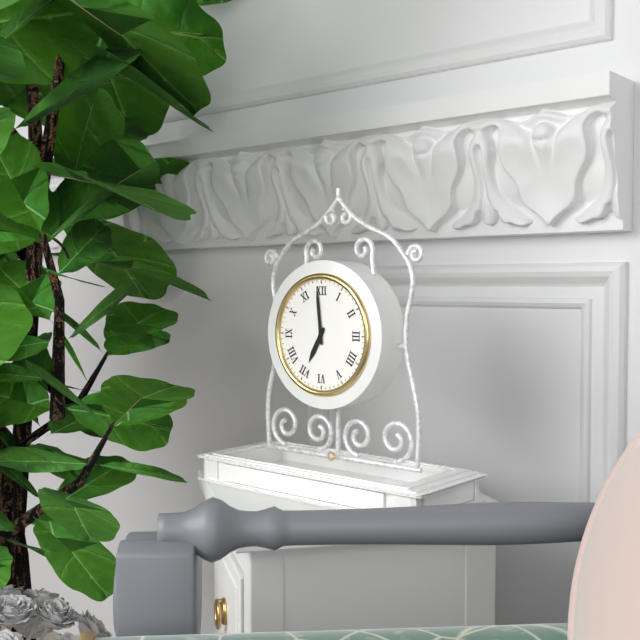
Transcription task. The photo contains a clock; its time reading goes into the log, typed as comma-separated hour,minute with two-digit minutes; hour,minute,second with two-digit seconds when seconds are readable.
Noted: 6,59
